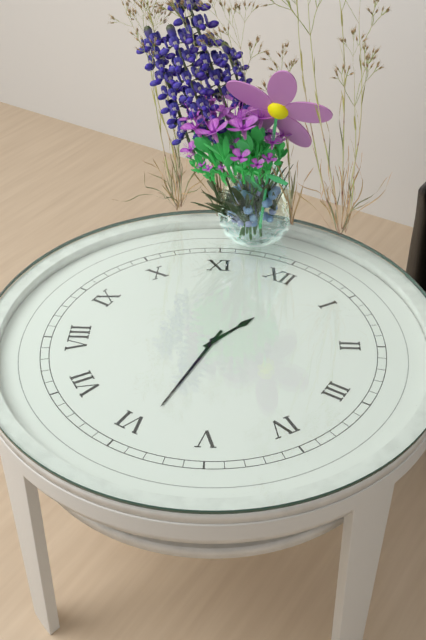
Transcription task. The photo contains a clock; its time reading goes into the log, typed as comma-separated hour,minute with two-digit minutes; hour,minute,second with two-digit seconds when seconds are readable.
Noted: 12,29
